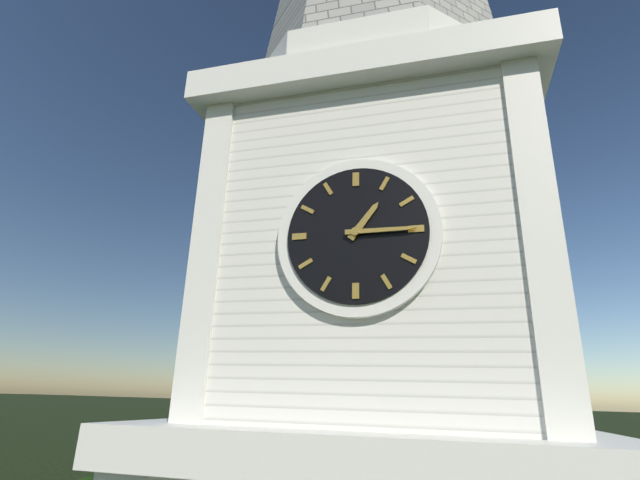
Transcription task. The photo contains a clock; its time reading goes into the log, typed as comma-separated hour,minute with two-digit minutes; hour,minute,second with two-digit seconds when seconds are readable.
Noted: 1,15
